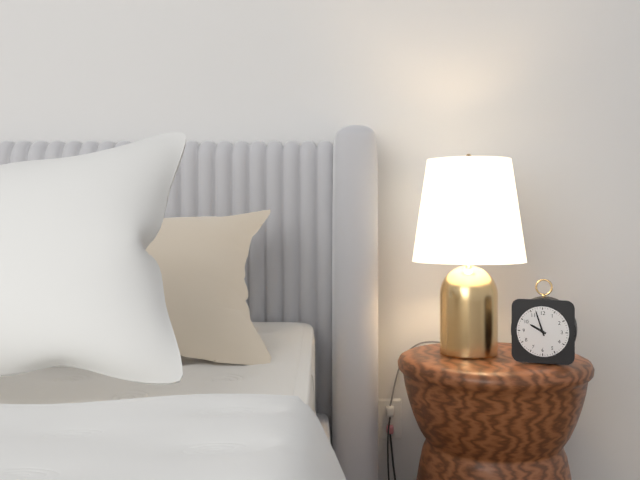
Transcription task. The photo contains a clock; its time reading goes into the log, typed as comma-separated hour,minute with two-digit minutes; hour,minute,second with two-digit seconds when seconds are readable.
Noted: 9,57
